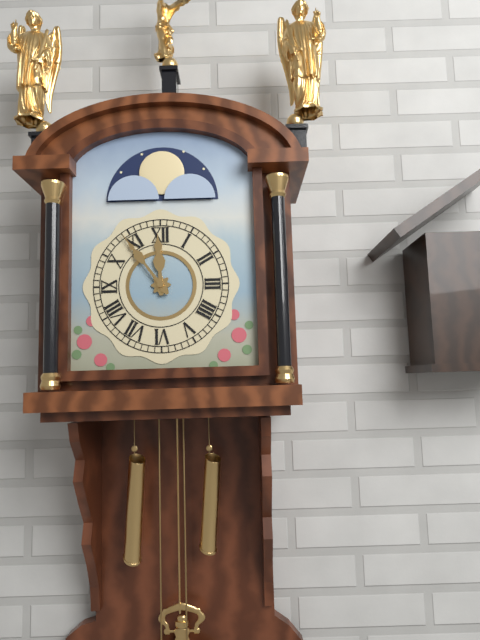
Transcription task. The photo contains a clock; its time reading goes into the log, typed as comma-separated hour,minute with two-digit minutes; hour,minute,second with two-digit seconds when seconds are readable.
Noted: 11,54
